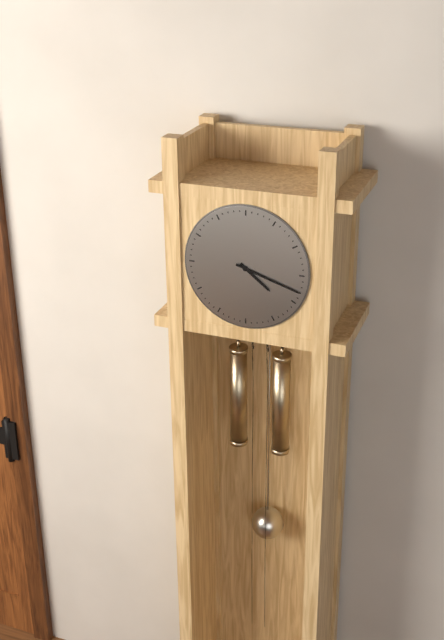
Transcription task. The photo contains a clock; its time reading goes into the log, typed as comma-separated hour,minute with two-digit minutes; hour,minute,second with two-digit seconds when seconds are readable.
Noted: 4,18
